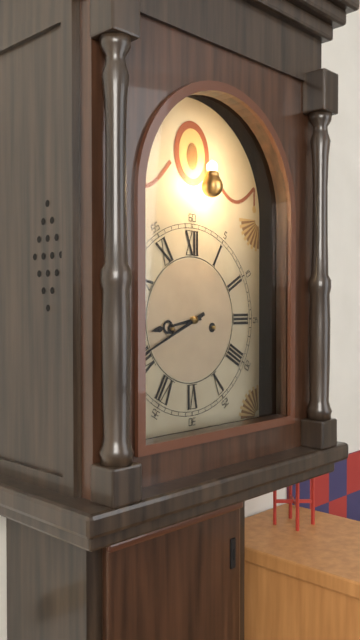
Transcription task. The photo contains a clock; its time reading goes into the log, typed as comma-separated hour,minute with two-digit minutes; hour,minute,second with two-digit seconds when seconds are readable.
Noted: 8,41
